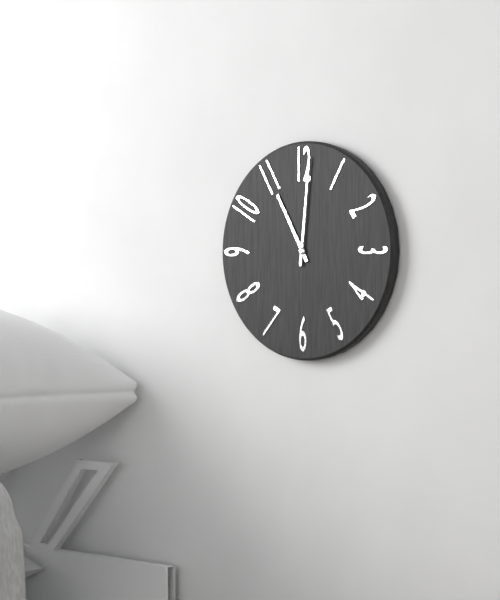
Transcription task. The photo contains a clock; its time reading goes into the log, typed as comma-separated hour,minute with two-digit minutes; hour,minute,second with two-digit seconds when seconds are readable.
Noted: 11,01
